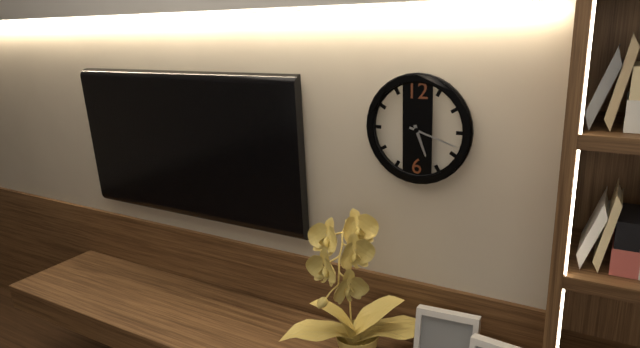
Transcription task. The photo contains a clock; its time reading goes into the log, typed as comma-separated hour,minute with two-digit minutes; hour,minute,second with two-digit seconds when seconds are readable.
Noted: 5,18
